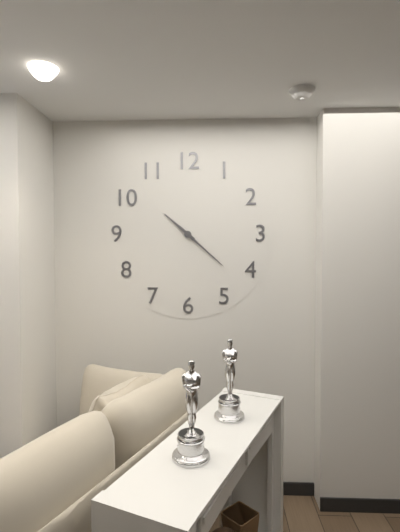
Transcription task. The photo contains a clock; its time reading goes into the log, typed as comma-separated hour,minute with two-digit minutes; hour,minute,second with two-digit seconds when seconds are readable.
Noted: 10,22
